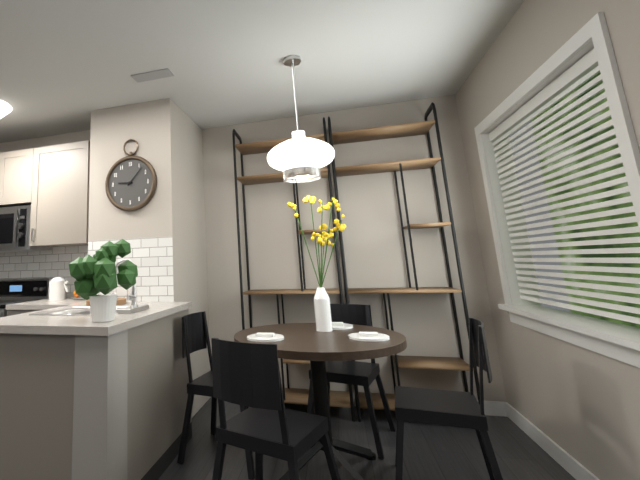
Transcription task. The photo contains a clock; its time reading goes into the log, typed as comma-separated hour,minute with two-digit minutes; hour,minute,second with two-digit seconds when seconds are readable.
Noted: 9,07
